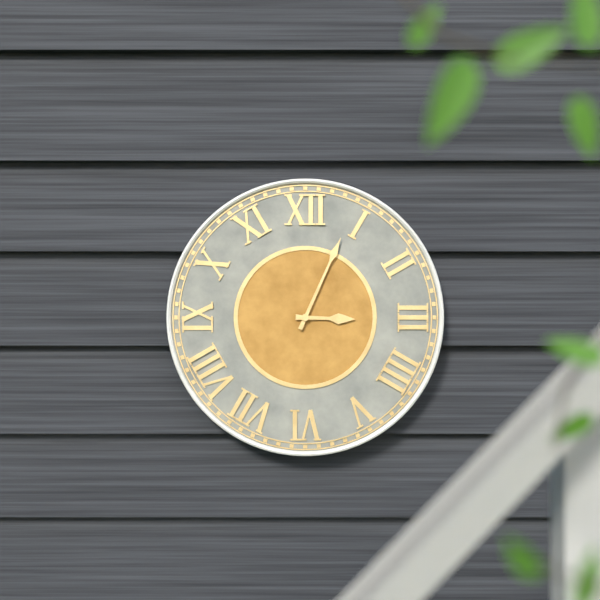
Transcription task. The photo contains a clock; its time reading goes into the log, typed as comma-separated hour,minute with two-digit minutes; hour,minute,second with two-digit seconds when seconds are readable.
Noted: 3,04
